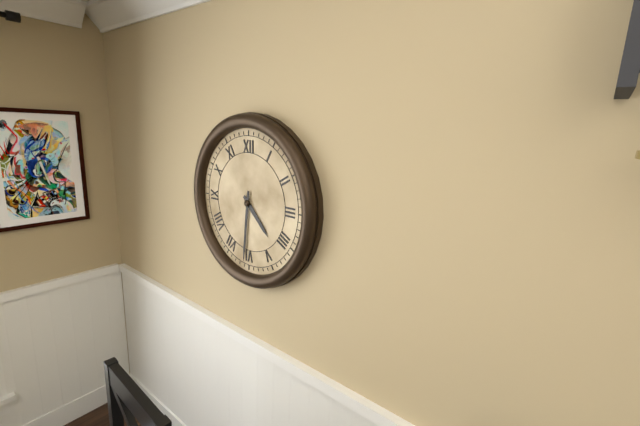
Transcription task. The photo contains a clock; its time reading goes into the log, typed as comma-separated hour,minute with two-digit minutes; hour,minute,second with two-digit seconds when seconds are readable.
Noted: 4,31
